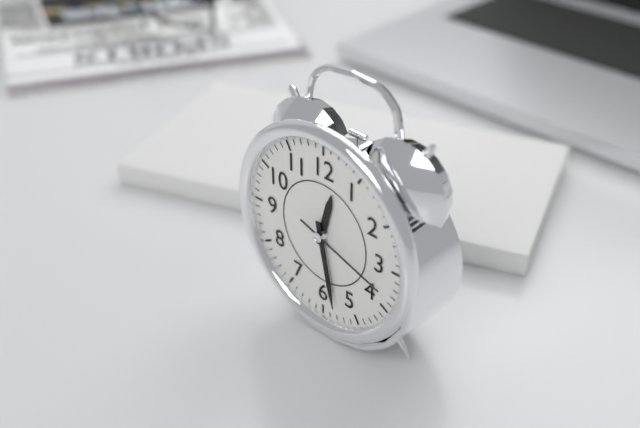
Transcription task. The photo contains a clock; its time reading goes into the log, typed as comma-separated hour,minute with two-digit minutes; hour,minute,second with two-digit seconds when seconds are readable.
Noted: 12,28,18
